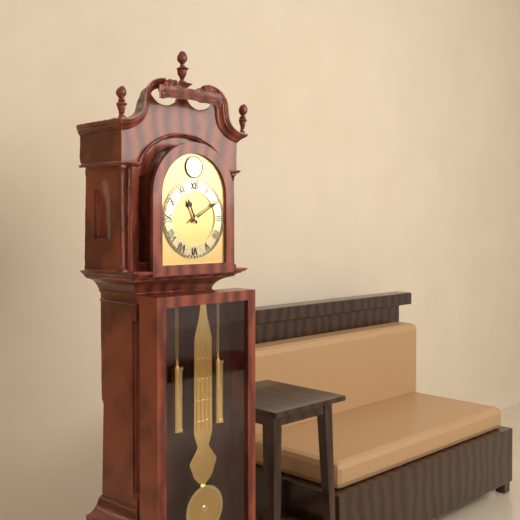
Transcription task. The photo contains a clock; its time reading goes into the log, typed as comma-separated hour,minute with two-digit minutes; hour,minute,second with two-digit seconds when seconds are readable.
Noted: 11,10
